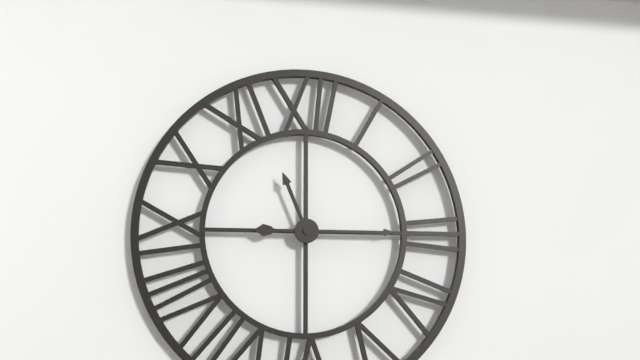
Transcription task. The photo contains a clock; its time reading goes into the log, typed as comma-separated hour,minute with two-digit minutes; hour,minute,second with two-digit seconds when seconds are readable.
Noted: 11,15
